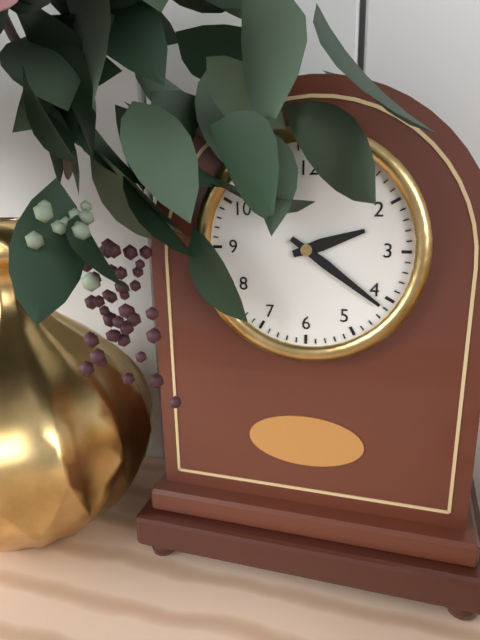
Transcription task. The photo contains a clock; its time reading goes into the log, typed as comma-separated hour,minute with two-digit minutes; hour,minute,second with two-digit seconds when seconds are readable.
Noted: 2,21
